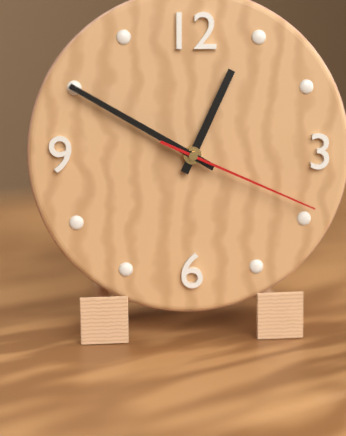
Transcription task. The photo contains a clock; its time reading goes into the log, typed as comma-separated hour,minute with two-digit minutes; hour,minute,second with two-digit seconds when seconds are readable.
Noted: 12,50,19
